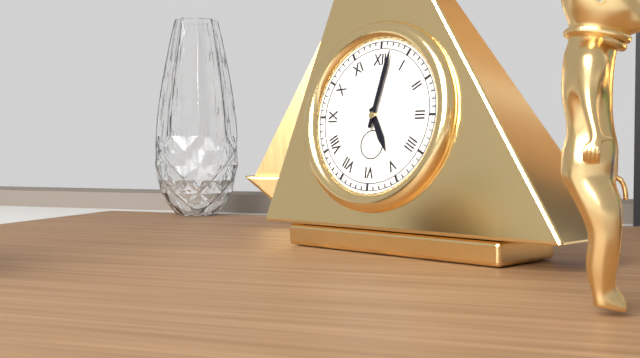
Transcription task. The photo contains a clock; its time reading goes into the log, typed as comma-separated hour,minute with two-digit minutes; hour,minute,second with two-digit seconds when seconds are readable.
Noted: 5,02
